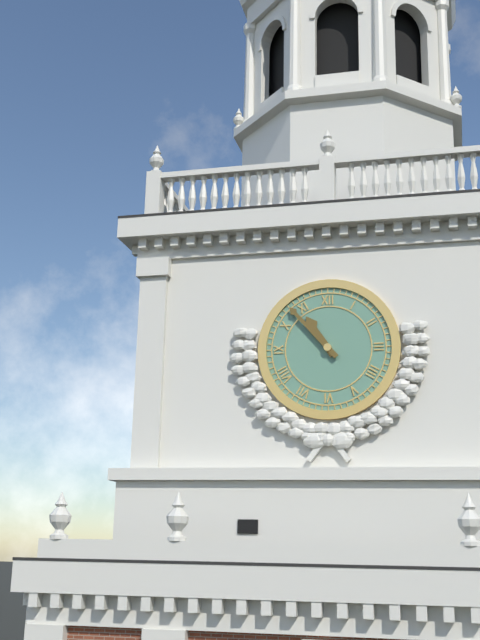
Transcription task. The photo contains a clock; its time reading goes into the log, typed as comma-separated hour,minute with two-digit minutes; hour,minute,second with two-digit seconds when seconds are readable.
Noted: 10,53
